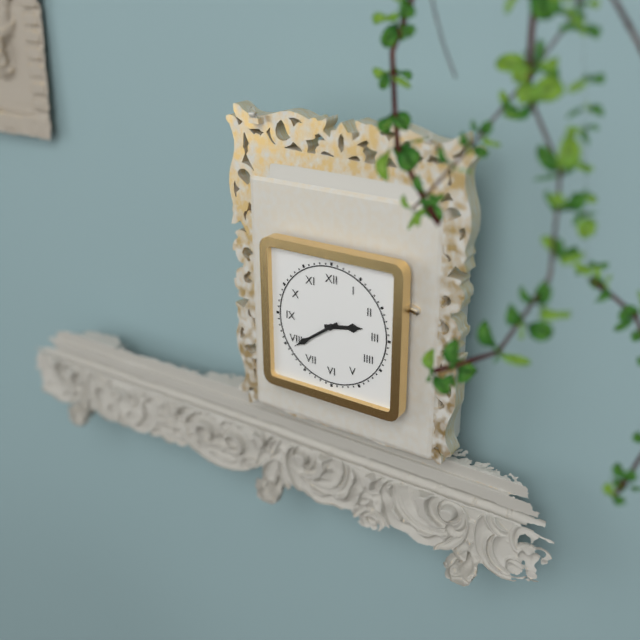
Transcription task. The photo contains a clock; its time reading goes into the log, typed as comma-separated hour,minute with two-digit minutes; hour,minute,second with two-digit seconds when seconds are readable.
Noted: 2,39
